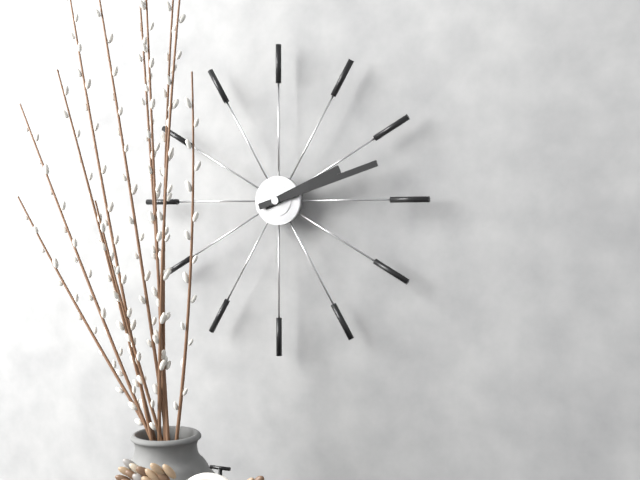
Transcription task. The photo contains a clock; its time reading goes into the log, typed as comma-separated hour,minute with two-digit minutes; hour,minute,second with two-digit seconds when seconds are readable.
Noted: 2,12
